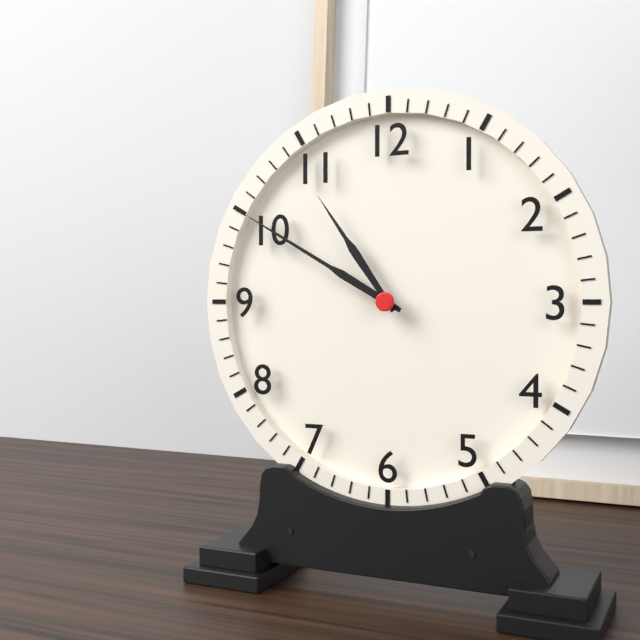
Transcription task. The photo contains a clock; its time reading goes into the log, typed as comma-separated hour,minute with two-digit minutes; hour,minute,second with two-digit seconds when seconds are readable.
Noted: 10,50
